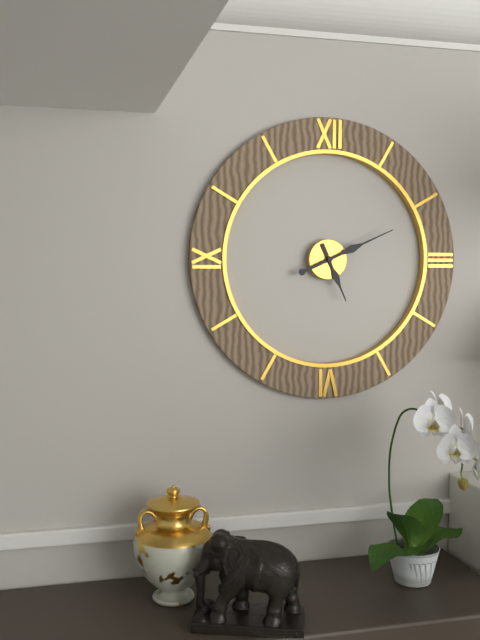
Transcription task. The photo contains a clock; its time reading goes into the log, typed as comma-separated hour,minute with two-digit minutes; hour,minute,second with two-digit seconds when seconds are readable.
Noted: 5,11
